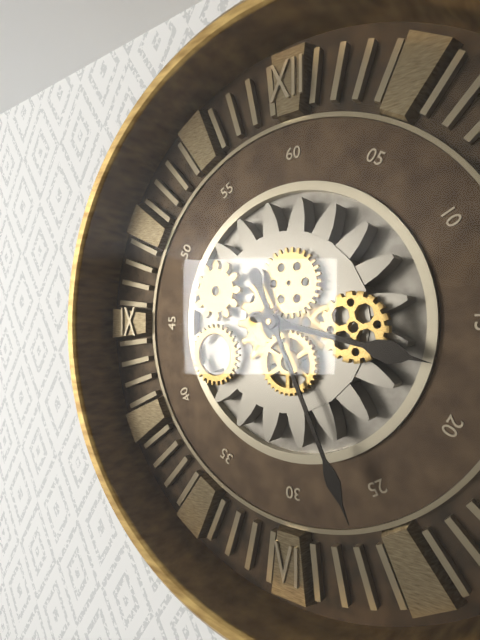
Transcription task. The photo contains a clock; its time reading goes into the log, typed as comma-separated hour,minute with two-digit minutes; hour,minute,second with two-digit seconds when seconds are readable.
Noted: 3,26
